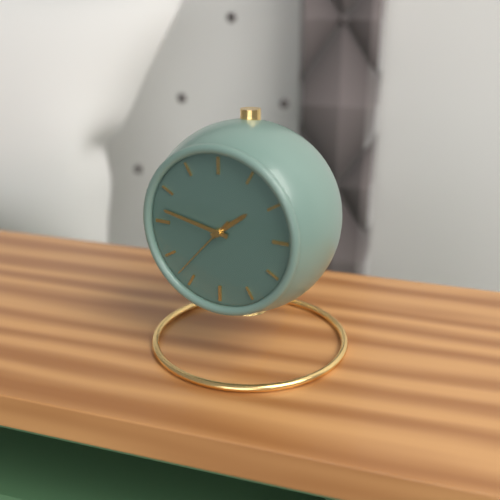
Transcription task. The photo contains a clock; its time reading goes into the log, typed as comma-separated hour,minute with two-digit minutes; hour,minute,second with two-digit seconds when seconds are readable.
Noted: 1,47,37
